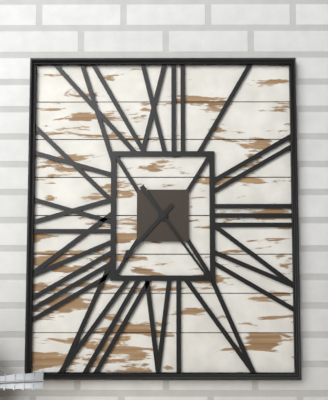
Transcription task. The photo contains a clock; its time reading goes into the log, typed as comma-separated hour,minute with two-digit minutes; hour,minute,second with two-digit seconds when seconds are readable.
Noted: 7,24
